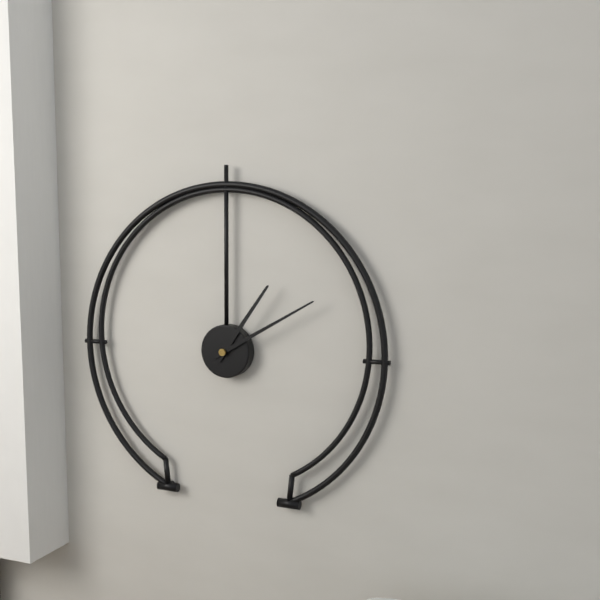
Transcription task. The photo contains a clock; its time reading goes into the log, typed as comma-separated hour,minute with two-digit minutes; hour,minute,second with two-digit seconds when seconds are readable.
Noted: 1,10
